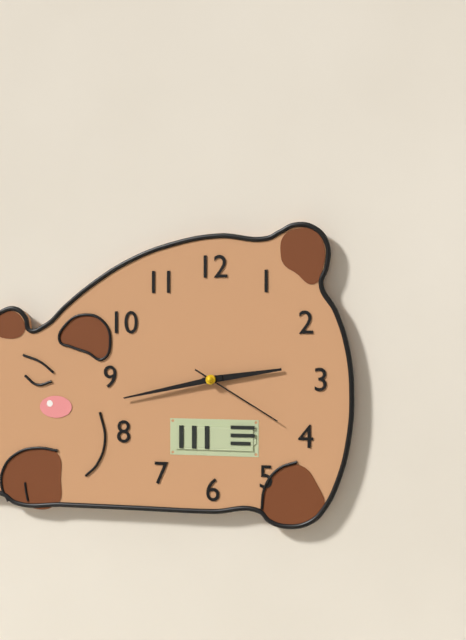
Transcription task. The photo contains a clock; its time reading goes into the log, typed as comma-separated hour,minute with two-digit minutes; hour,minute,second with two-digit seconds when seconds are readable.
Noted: 2,43,20
